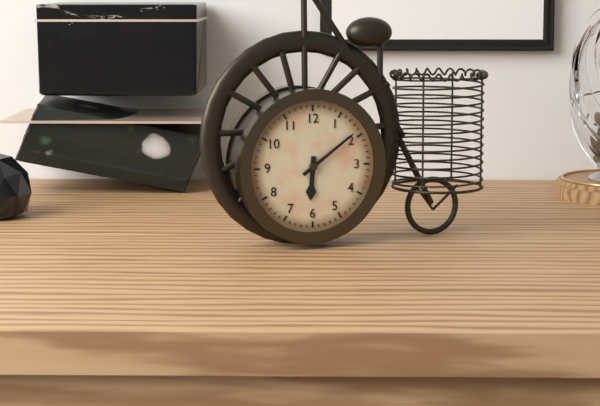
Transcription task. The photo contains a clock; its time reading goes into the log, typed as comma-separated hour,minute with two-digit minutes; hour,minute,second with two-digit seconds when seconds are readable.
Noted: 6,09
